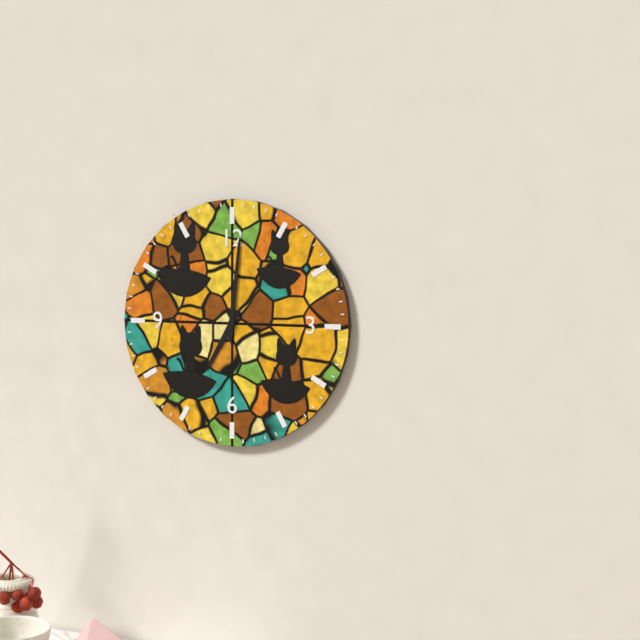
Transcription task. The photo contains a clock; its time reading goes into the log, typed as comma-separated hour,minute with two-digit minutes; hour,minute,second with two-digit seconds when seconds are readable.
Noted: 7,01
